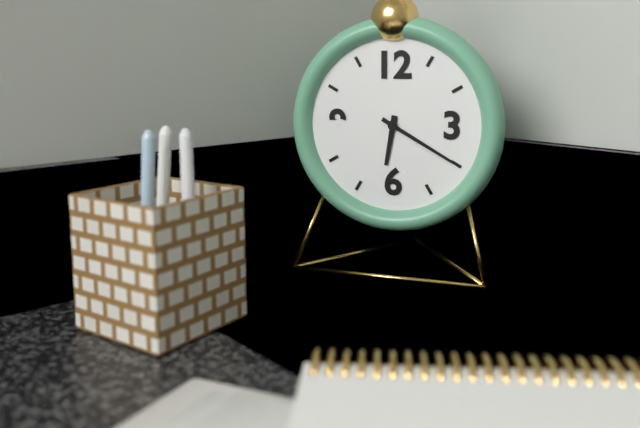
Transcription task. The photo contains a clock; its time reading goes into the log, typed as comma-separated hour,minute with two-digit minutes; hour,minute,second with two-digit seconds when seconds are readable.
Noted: 6,20
